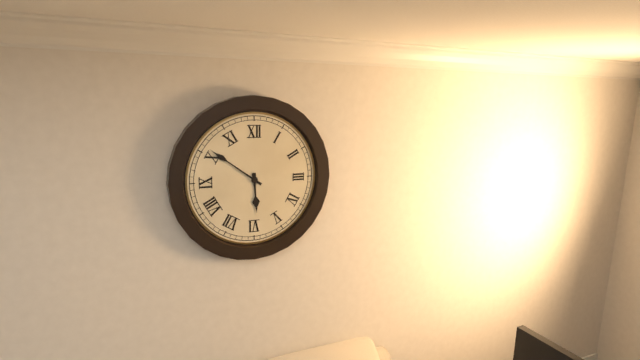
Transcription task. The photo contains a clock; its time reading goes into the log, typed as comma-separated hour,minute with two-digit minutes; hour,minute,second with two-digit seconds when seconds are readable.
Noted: 5,51
